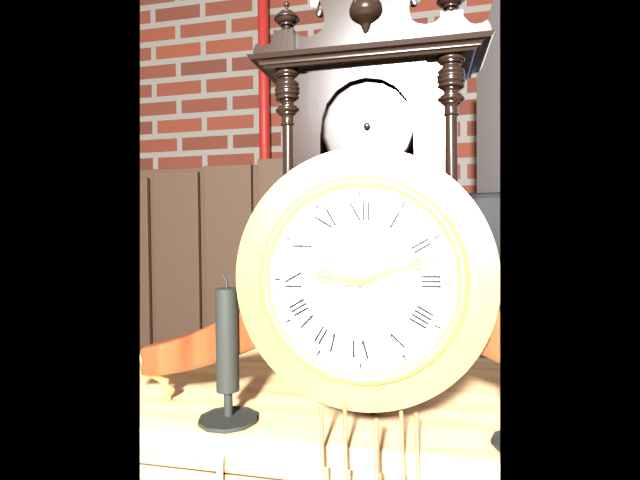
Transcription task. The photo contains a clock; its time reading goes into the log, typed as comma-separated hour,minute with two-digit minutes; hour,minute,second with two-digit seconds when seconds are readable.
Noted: 9,12
